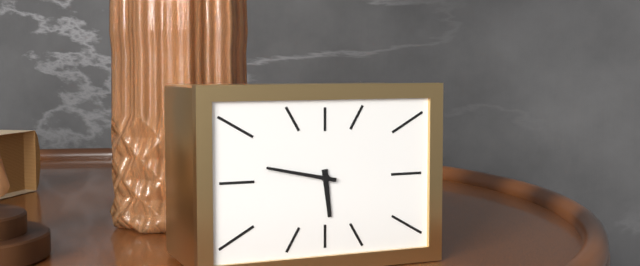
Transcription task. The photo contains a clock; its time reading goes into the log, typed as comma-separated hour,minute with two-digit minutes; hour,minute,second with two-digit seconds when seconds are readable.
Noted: 5,47
